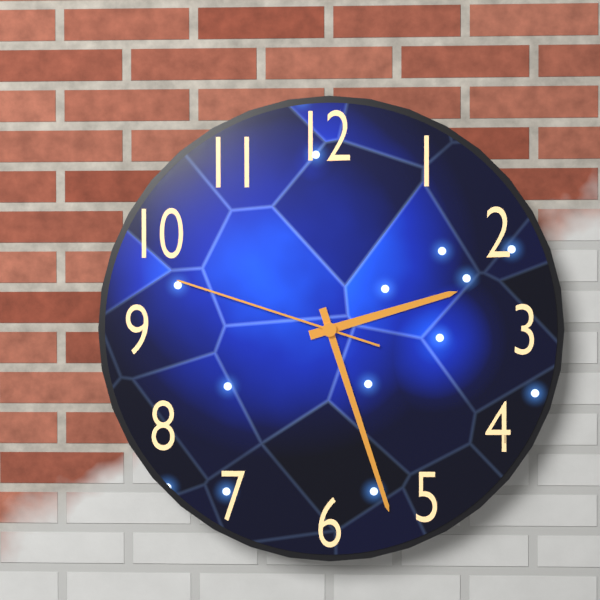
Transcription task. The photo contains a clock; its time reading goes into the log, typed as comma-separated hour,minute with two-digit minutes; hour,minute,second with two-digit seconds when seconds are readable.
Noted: 2,27,48
